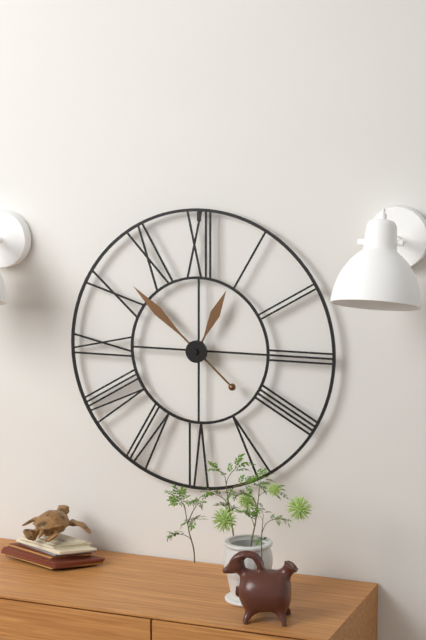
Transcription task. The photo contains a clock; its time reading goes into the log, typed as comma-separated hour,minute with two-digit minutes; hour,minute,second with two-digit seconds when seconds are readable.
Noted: 12,52
